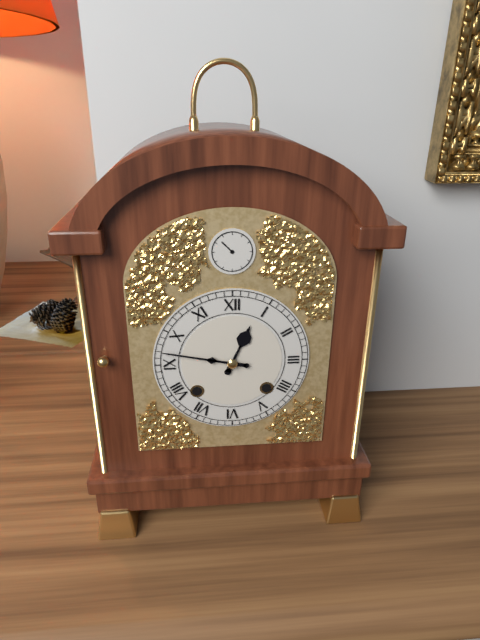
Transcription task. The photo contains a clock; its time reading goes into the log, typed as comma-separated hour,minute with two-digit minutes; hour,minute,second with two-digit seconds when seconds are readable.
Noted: 12,47
